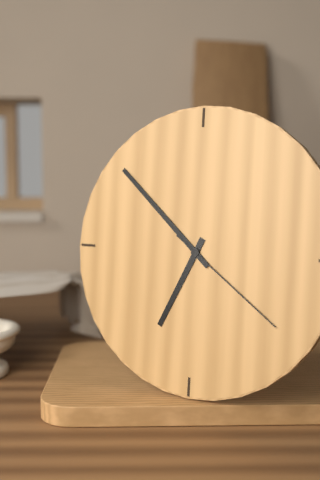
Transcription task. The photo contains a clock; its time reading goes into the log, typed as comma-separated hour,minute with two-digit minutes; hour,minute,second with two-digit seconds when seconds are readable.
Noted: 6,52,21
